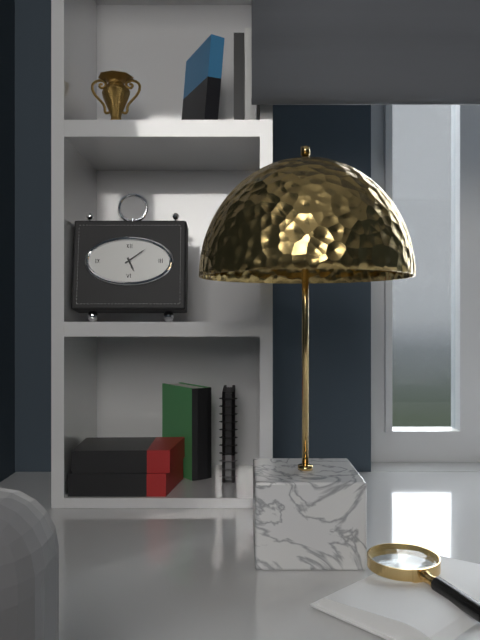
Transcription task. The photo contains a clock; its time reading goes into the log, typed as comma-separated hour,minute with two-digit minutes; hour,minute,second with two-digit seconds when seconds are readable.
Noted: 5,09
